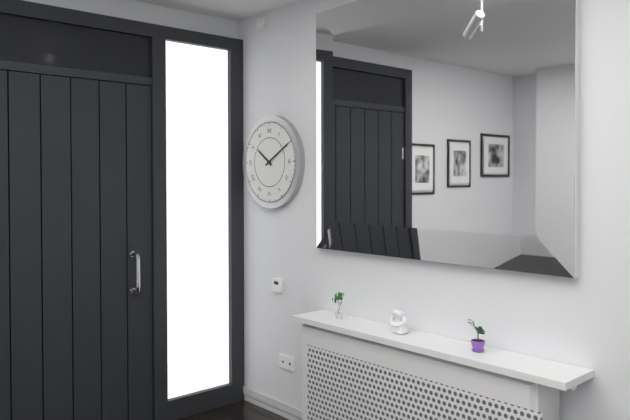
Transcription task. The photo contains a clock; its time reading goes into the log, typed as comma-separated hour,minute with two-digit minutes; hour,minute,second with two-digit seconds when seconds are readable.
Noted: 10,10
